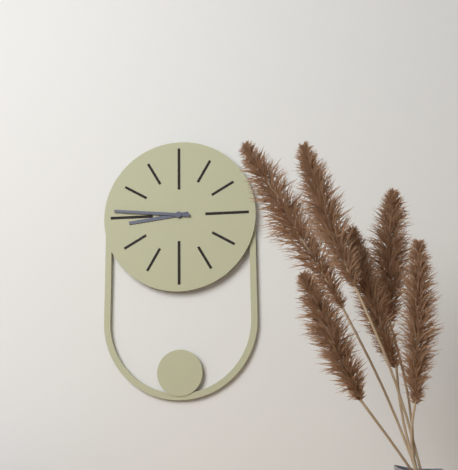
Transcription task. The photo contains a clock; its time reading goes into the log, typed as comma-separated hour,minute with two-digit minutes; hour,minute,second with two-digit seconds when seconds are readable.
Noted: 8,46
